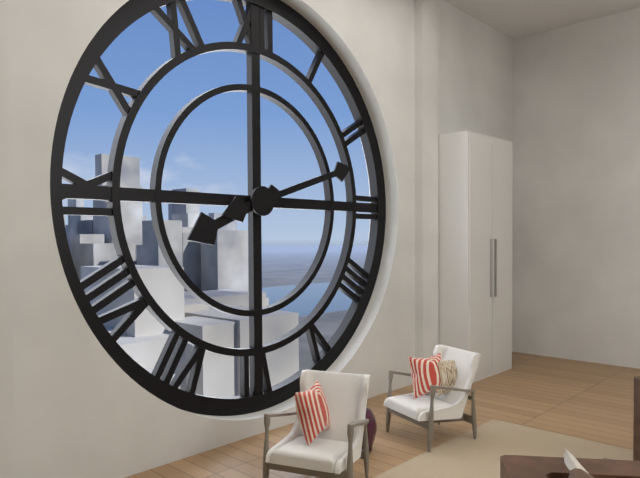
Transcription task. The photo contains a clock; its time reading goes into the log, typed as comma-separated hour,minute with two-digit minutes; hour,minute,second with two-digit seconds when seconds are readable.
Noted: 8,12
